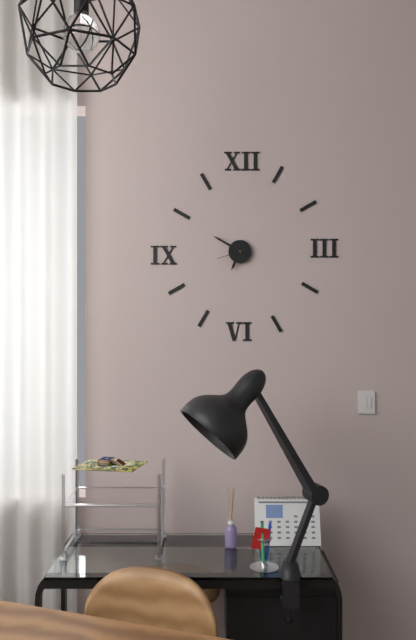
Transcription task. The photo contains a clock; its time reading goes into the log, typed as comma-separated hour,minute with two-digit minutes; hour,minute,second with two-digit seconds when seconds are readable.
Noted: 6,50
